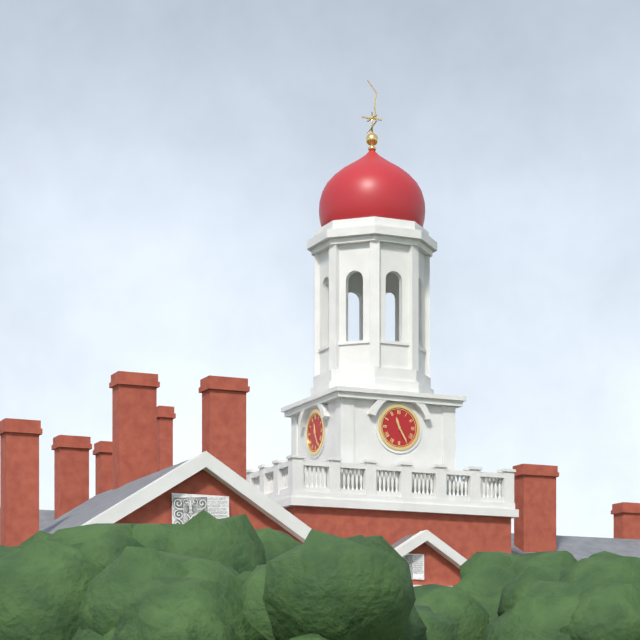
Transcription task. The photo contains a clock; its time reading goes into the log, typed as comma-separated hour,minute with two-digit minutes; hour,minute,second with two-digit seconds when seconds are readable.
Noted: 11,25
